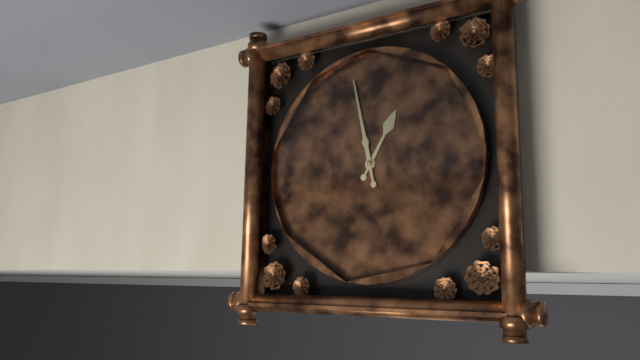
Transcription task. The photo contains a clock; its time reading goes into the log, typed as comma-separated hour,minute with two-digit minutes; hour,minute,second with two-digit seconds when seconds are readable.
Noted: 12,58
